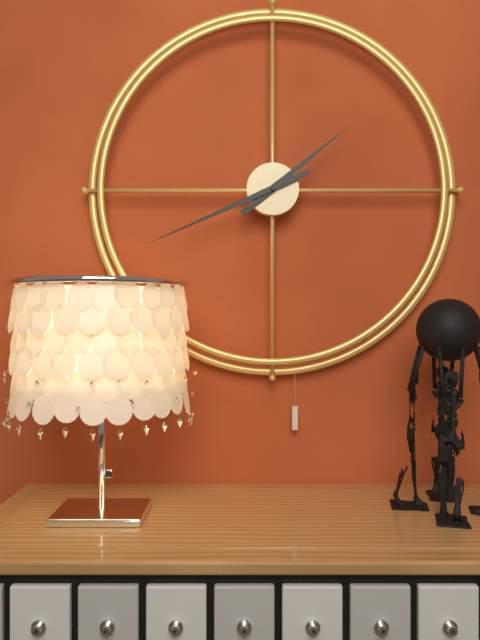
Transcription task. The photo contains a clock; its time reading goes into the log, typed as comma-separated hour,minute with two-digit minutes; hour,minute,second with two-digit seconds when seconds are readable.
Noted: 1,41
